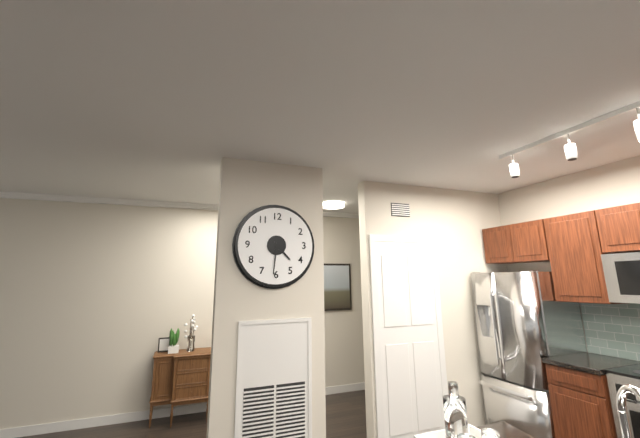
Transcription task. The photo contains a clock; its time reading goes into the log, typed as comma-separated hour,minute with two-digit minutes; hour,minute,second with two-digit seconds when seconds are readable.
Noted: 4,31
